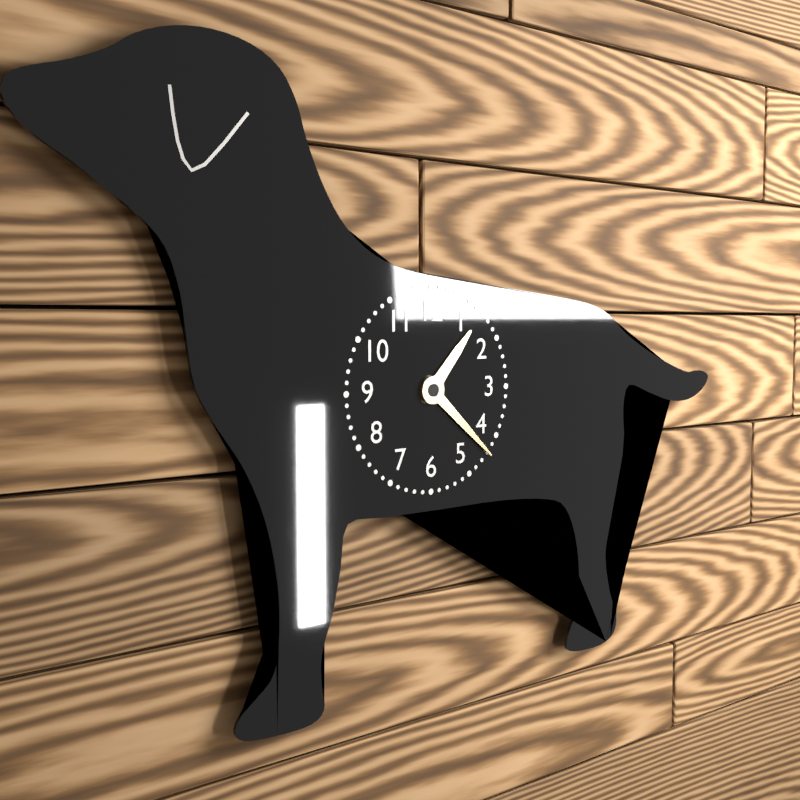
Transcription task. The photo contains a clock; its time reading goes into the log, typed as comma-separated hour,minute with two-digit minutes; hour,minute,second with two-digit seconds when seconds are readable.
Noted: 1,22
